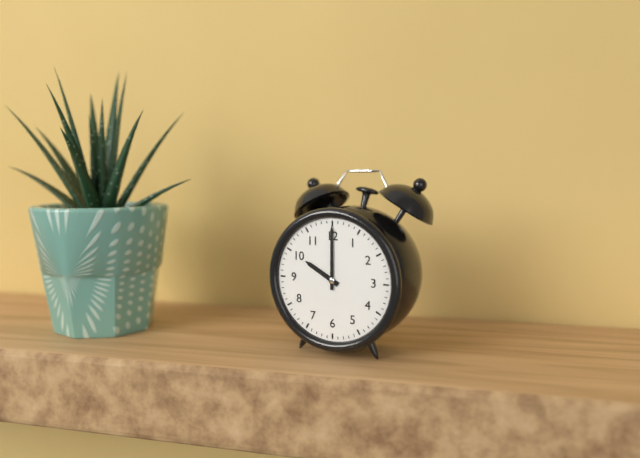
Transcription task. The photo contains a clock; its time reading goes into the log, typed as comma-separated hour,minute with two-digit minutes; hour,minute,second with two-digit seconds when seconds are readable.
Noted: 10,00
